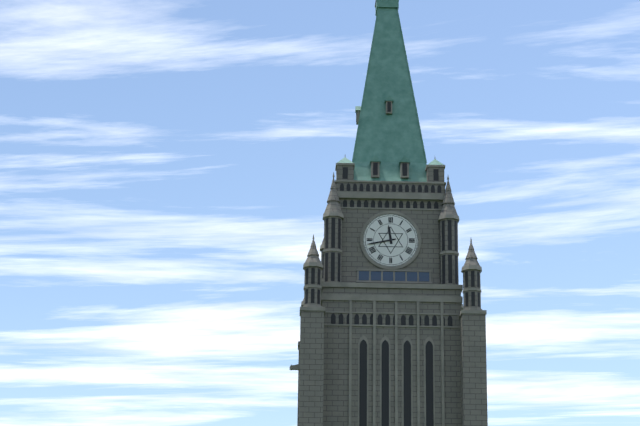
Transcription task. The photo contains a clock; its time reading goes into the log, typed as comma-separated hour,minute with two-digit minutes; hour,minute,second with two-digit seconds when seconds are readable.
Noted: 11,43
